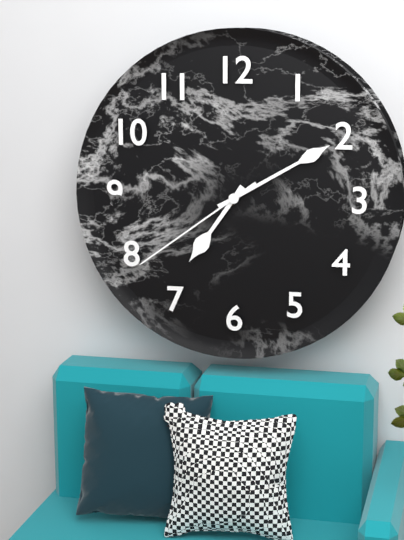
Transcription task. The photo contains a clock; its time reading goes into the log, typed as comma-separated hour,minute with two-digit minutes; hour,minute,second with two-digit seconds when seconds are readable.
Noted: 7,10,39
